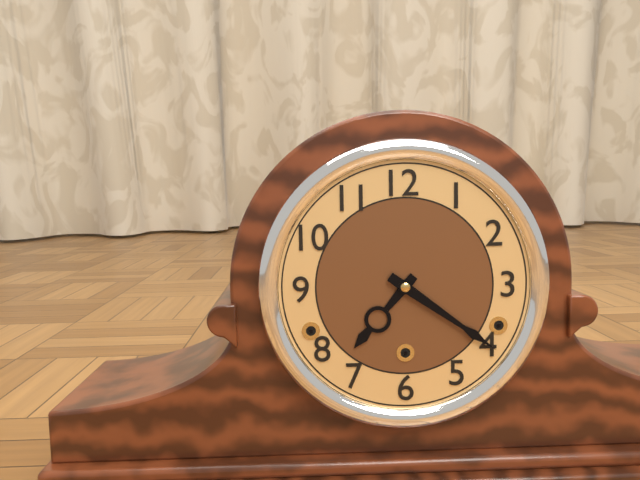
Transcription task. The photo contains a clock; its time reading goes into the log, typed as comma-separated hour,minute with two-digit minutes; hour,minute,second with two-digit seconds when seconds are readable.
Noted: 7,21
